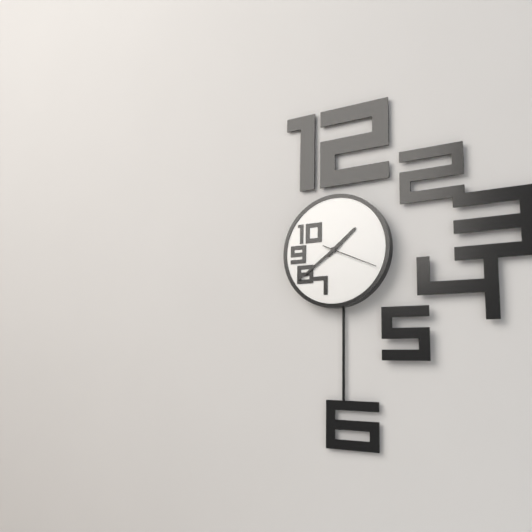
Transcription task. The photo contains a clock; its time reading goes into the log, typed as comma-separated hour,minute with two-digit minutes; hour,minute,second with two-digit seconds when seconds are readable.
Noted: 1,39,19
